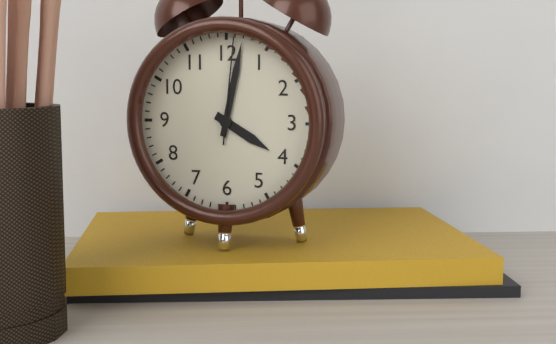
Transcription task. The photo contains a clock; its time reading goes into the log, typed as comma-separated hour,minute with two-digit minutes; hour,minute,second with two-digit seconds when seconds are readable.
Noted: 4,02,01
